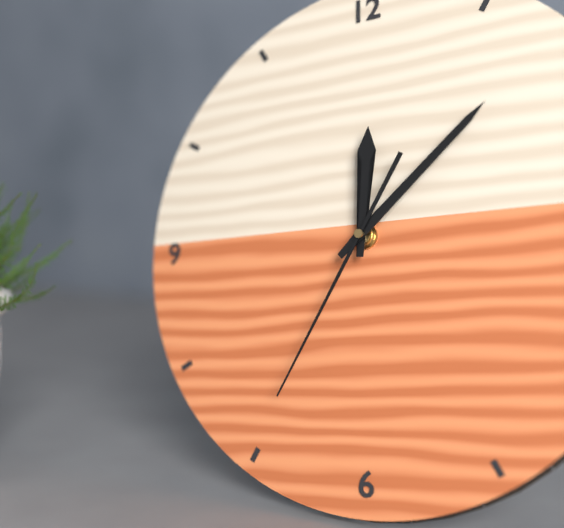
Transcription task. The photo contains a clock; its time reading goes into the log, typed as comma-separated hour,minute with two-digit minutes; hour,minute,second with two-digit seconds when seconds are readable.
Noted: 12,08,35
